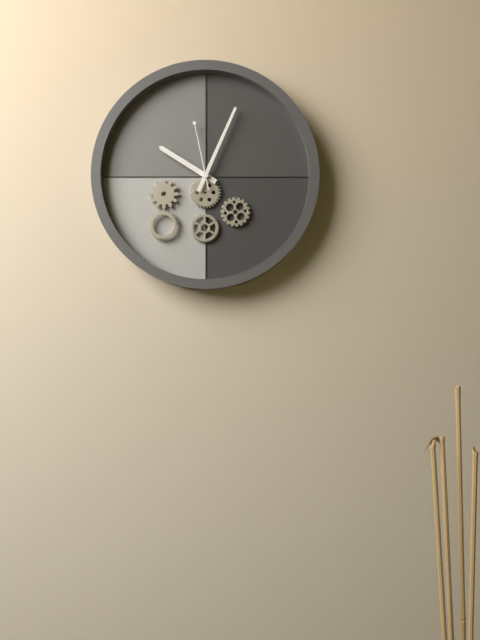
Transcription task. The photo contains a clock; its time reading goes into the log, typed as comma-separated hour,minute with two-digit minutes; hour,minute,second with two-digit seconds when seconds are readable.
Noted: 10,04,58
